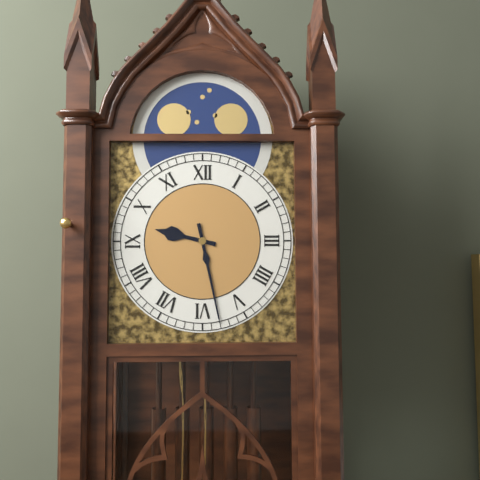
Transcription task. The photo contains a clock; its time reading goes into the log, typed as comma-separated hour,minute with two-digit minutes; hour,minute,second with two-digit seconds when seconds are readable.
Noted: 9,28
